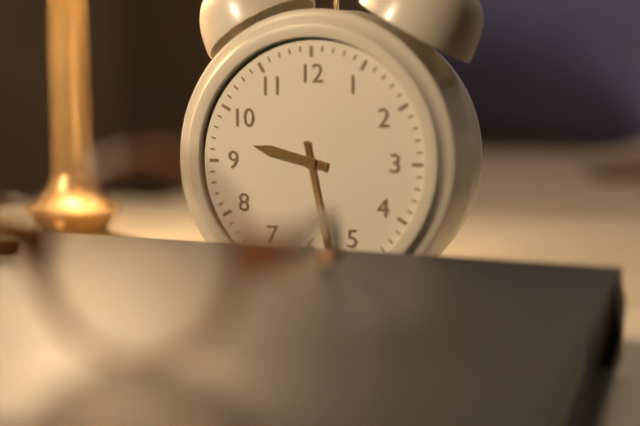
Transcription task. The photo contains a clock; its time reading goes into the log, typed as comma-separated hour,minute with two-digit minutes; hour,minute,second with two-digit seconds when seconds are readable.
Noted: 9,28
